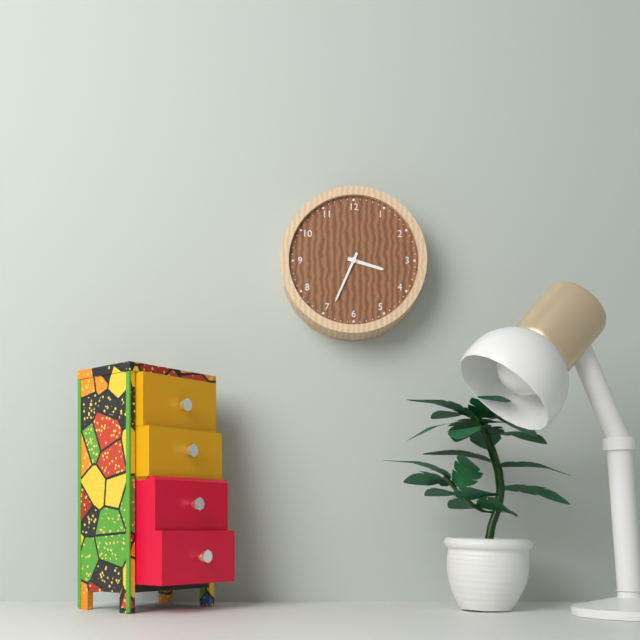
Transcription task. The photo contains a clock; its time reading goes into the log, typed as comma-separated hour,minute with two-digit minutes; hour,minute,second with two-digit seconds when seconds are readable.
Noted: 3,34
